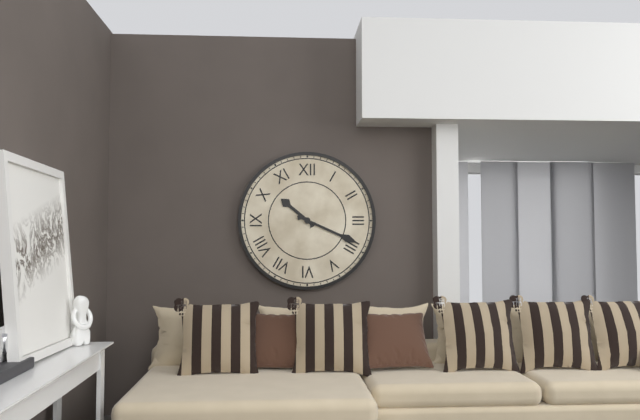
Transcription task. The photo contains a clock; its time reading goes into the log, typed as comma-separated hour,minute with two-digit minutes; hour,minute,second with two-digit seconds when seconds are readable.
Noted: 10,19
